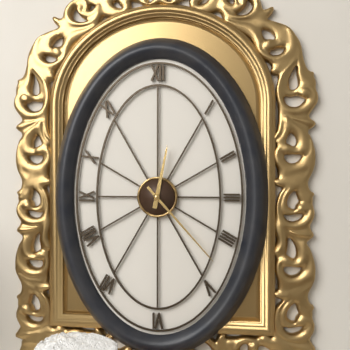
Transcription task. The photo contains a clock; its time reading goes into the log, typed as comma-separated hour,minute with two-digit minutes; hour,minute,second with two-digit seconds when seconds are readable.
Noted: 12,23
